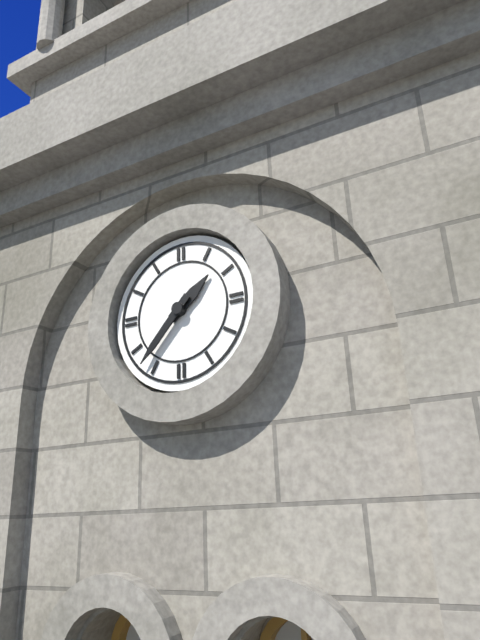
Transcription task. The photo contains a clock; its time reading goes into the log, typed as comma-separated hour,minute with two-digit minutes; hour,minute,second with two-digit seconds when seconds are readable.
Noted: 1,37
